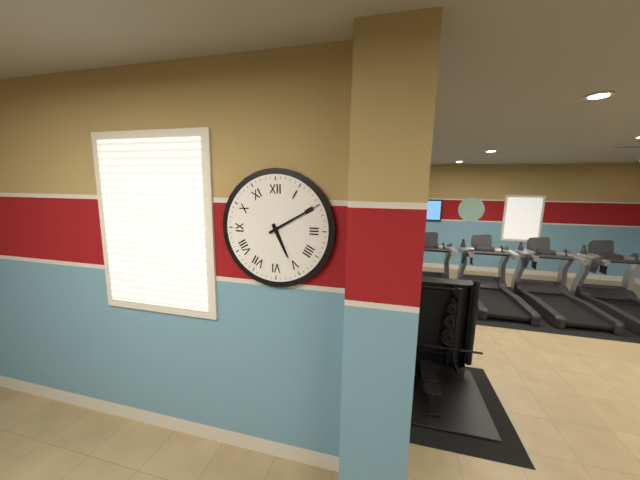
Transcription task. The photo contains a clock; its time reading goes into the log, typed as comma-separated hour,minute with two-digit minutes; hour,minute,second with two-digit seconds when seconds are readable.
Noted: 5,10
